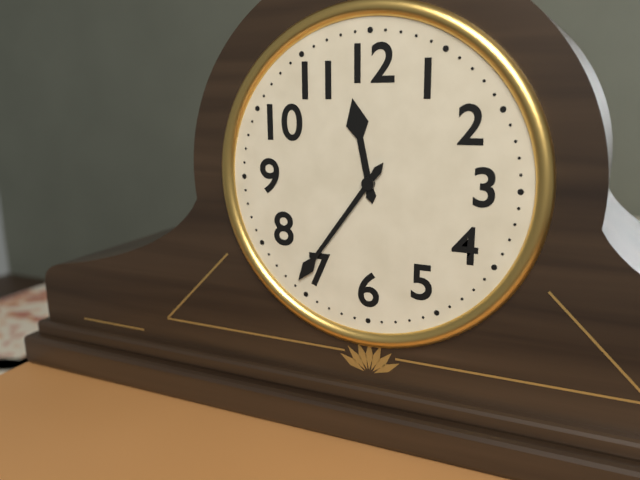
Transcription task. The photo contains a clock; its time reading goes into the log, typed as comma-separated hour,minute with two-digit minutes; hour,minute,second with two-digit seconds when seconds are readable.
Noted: 11,36
